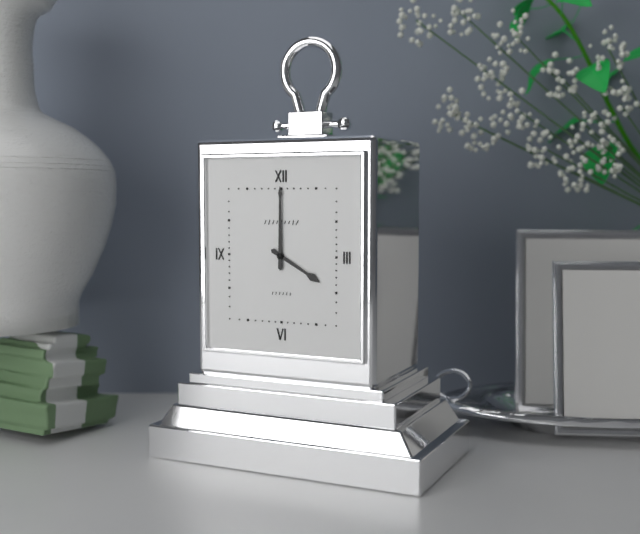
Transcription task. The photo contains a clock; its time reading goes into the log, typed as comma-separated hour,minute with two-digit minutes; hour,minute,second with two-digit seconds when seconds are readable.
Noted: 4,00
